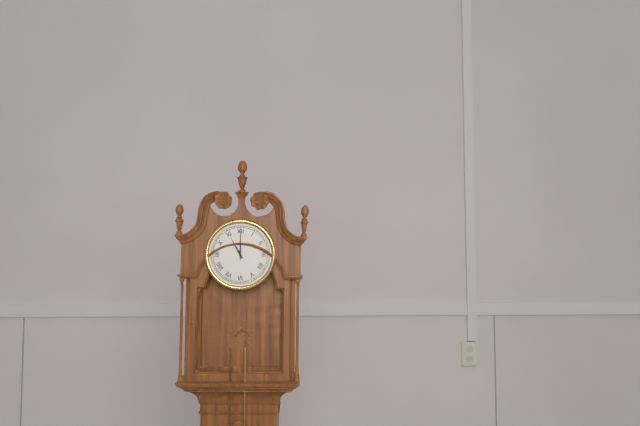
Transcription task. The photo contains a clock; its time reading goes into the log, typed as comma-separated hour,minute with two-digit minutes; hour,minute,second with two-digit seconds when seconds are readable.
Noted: 11,00
